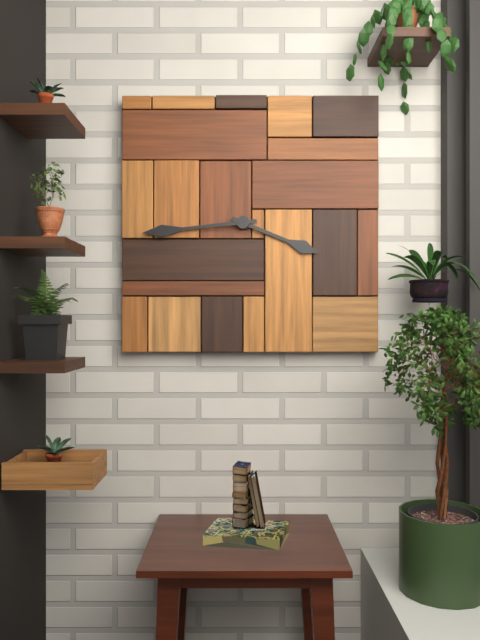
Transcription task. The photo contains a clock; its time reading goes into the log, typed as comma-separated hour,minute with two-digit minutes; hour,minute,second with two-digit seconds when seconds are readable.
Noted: 3,44
